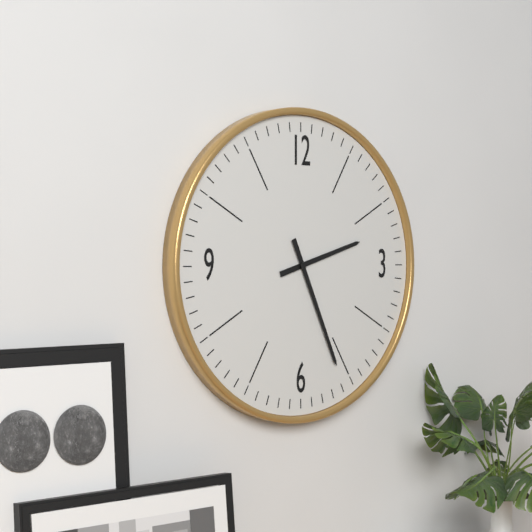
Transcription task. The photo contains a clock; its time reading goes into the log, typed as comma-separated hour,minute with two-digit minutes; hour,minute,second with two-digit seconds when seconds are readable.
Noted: 2,26
